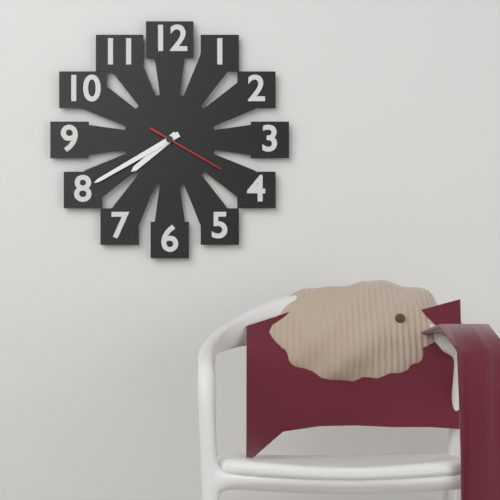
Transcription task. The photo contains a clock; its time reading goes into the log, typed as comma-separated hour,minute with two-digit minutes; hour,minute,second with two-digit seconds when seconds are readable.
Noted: 7,40,20
